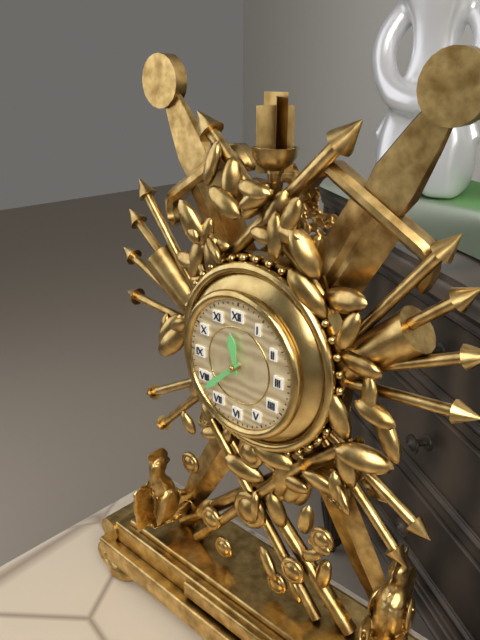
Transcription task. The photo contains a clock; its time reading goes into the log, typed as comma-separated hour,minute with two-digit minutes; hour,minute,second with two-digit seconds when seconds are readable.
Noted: 11,38
